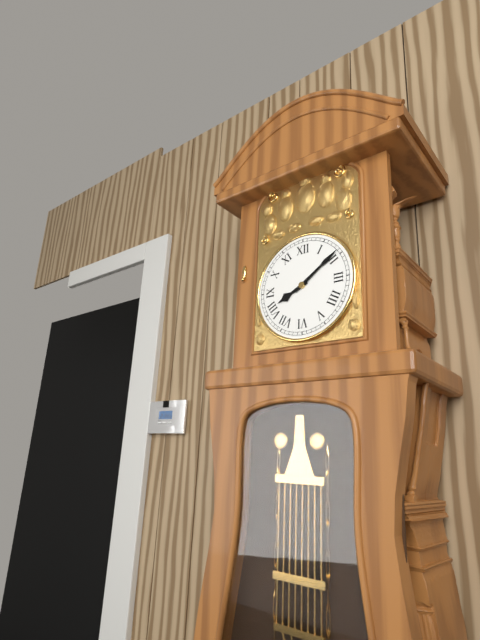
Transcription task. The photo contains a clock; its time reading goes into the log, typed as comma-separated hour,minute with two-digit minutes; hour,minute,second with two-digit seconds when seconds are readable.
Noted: 8,09
